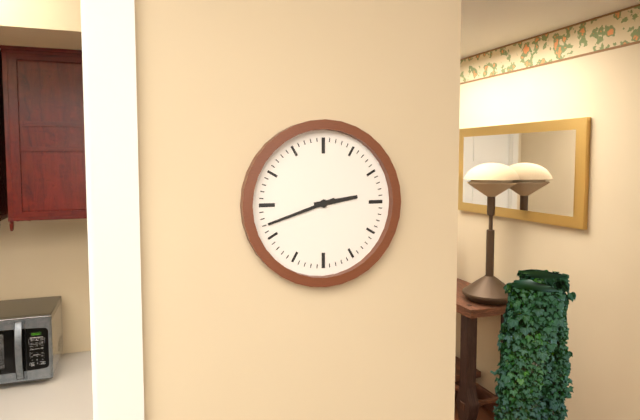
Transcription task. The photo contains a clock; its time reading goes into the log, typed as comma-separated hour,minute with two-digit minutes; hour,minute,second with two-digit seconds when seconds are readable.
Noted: 2,42
